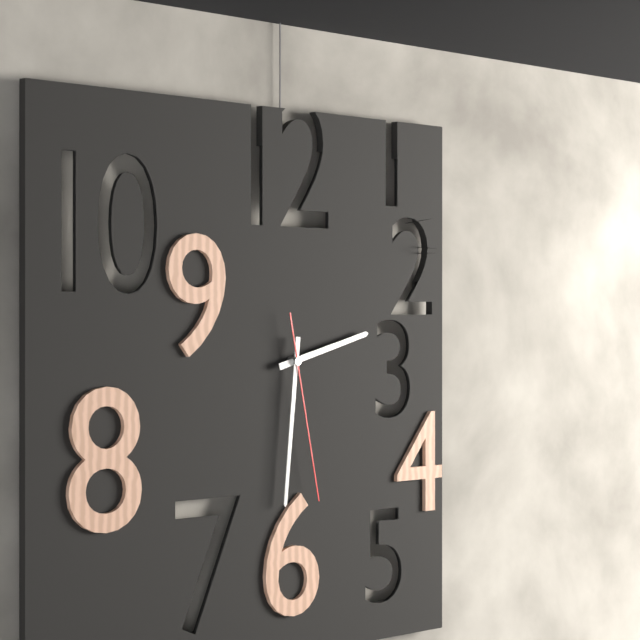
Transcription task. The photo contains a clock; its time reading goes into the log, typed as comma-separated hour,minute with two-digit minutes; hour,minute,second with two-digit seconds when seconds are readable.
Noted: 2,31,28
